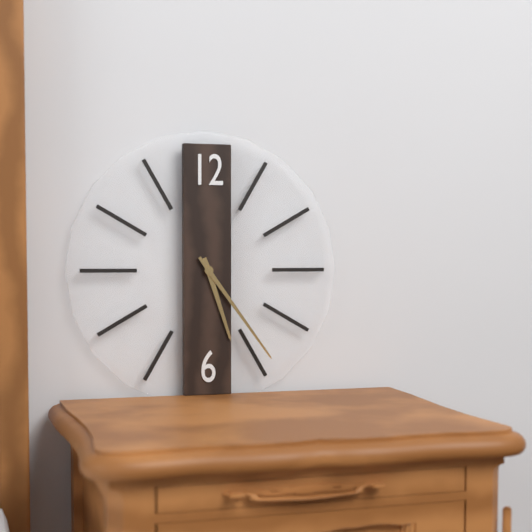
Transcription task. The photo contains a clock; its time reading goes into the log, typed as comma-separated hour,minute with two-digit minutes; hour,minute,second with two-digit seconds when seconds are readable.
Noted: 5,24
